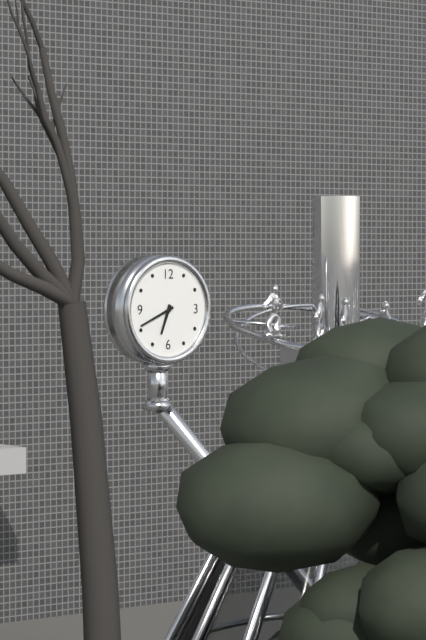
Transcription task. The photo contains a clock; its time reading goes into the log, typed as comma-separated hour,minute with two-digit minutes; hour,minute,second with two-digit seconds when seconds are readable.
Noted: 6,41
